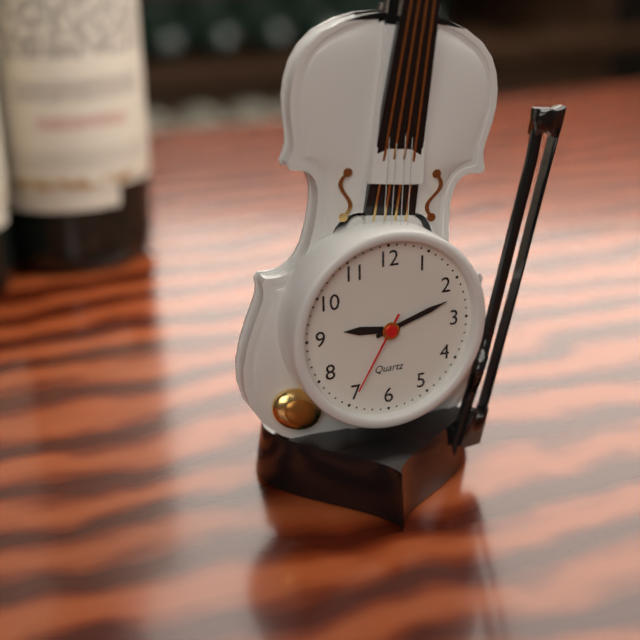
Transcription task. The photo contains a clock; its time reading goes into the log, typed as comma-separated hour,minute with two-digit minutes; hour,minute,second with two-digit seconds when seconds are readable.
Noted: 9,12,35
